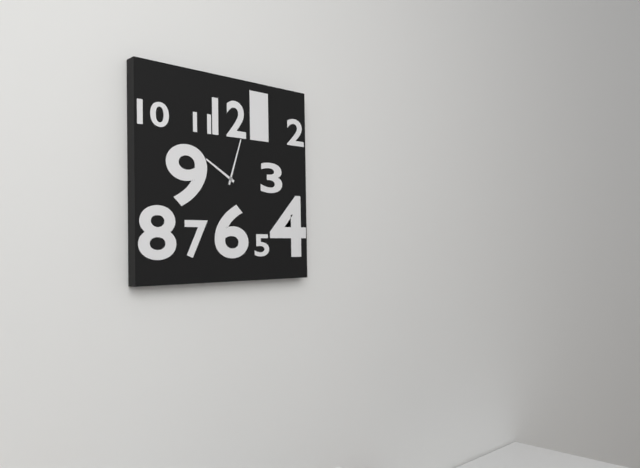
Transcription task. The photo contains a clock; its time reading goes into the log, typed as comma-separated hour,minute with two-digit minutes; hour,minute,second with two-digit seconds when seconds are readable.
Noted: 10,03
